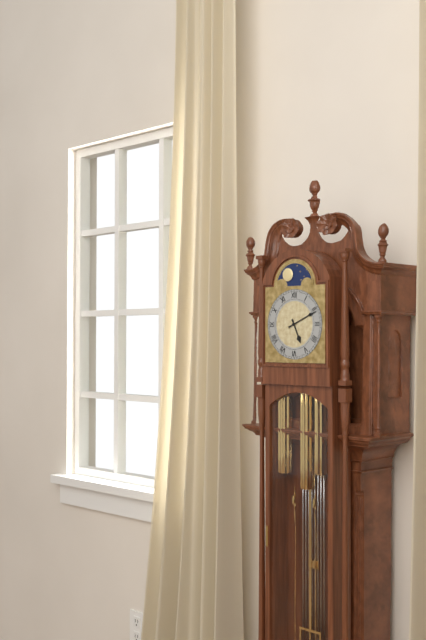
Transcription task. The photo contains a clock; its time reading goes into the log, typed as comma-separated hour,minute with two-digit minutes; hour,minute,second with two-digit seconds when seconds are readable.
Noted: 5,11
